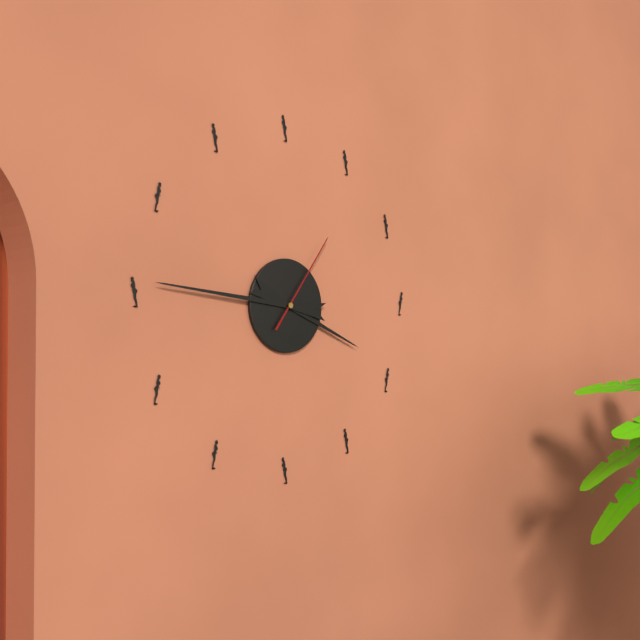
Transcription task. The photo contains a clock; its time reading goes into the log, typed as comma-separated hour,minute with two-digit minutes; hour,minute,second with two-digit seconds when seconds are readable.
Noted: 3,46,06
